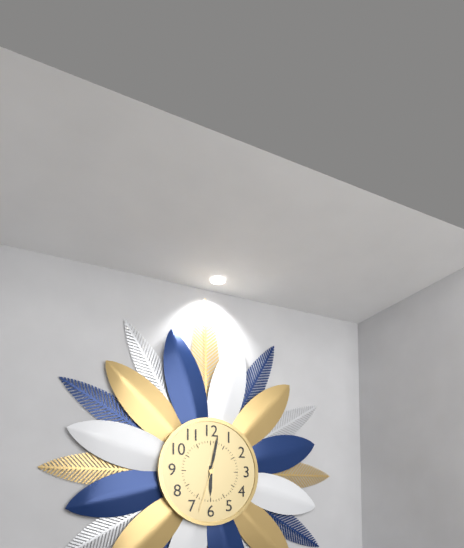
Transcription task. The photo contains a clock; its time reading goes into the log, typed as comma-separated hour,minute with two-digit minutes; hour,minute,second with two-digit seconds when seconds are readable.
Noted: 6,02
